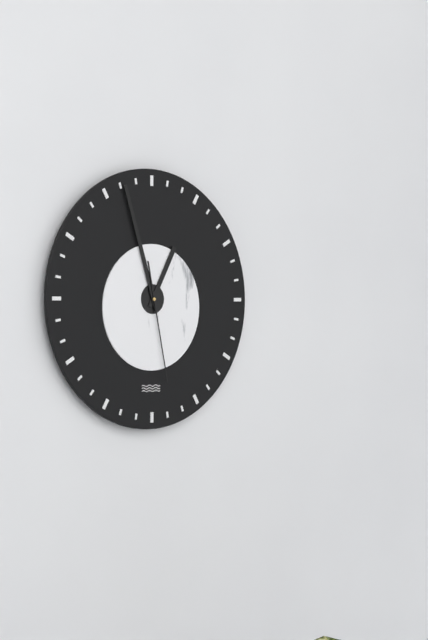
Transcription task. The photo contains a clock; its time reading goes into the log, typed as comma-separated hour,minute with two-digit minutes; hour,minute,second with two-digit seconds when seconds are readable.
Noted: 12,57,28
